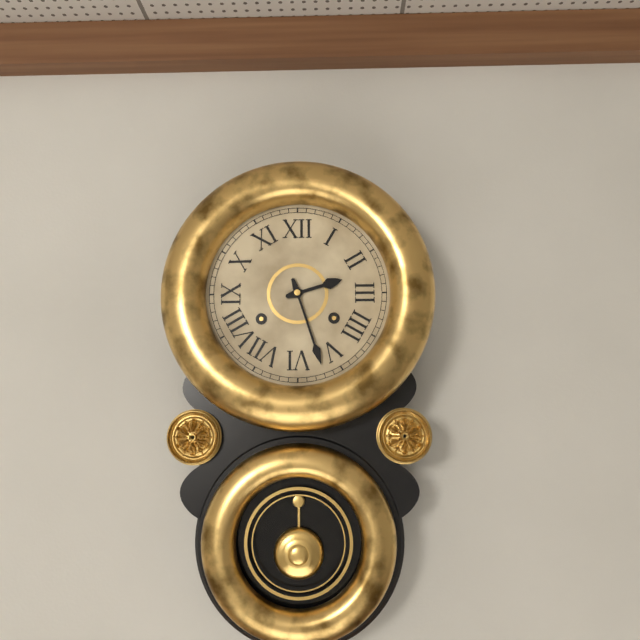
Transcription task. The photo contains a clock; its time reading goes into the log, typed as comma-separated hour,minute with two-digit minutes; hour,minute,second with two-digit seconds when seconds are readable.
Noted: 2,27
